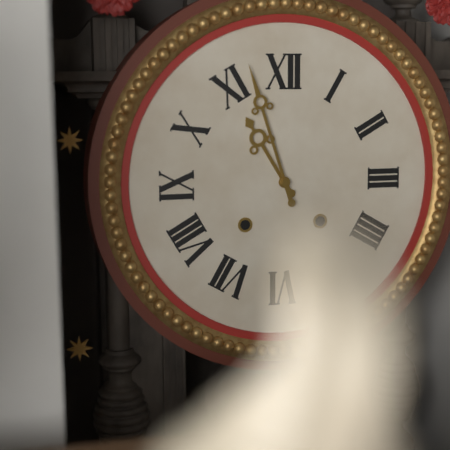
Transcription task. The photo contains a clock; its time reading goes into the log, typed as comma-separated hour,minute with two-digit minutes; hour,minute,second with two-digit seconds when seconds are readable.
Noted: 10,57
